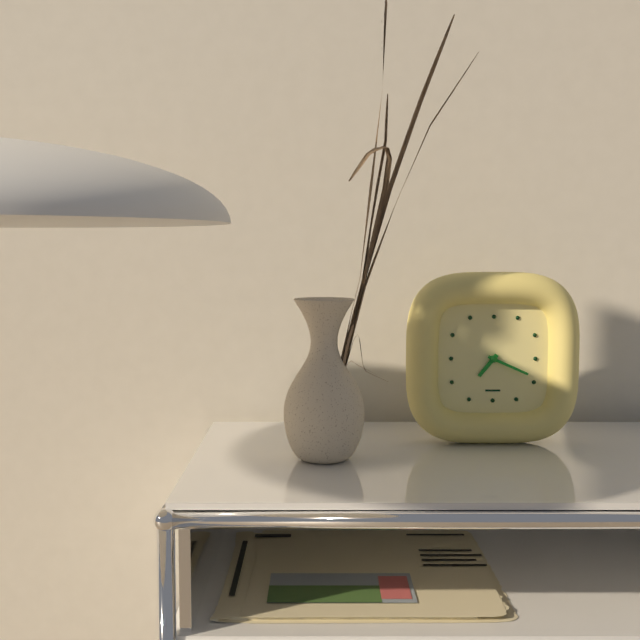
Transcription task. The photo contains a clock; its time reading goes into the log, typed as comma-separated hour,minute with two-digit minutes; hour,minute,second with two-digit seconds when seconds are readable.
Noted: 7,19
